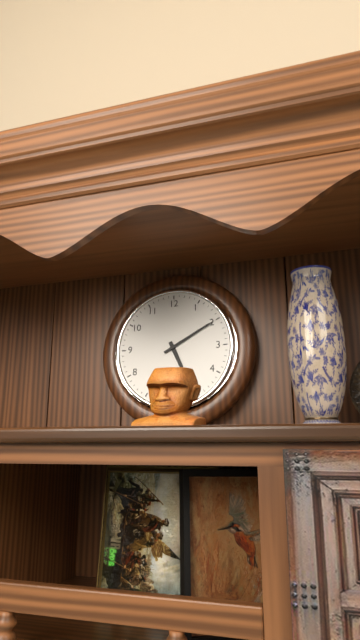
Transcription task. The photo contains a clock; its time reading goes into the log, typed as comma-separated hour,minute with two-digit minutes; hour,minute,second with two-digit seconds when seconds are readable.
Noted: 5,10
